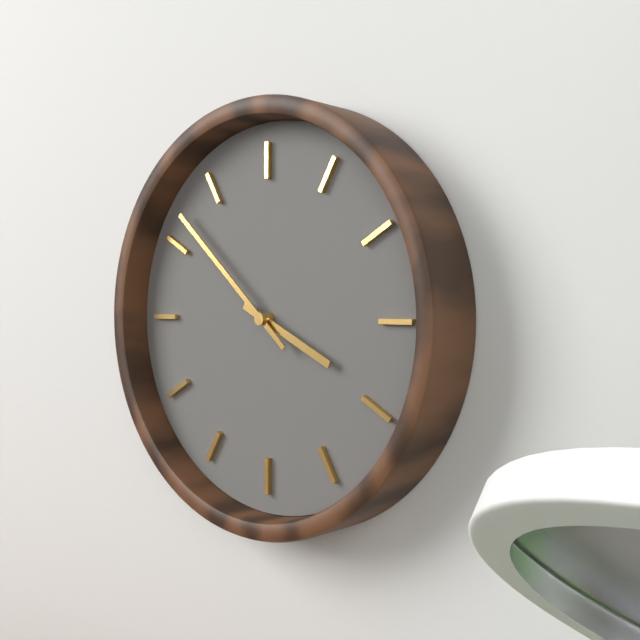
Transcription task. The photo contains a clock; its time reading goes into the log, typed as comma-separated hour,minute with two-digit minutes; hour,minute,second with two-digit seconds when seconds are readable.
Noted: 3,52
